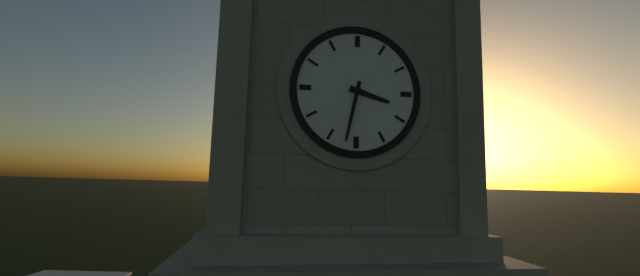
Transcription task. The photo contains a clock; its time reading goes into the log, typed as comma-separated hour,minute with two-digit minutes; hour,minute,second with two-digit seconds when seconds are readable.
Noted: 3,32
